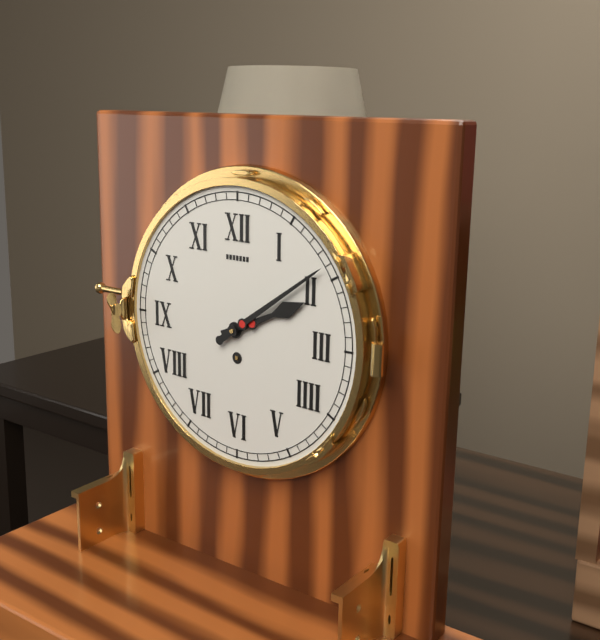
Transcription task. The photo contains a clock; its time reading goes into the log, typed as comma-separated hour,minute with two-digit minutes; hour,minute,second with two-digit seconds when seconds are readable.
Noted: 2,09
